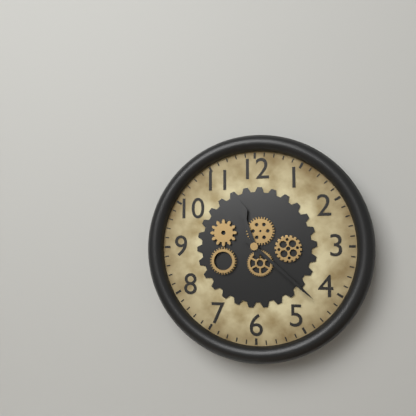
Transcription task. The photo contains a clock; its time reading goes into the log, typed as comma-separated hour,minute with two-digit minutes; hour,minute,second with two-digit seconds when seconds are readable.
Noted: 11,22
